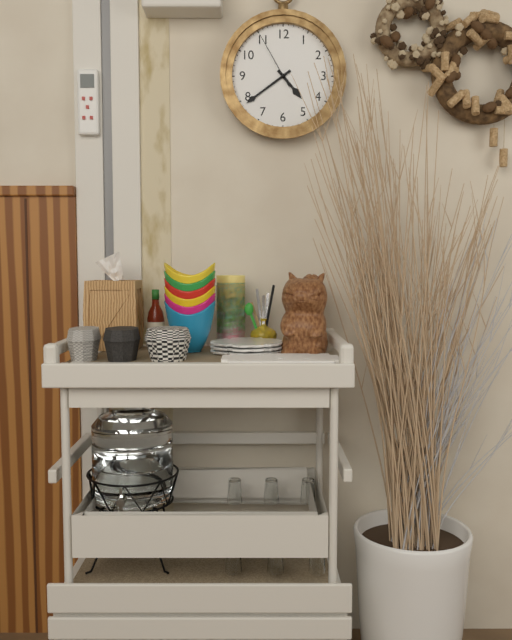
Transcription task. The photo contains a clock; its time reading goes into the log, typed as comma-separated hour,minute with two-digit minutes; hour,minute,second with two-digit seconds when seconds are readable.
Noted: 4,39,55
